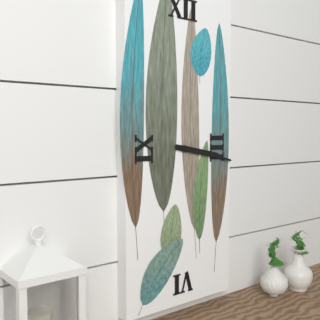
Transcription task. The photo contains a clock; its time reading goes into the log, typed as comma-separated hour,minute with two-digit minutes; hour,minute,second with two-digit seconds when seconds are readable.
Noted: 3,17
